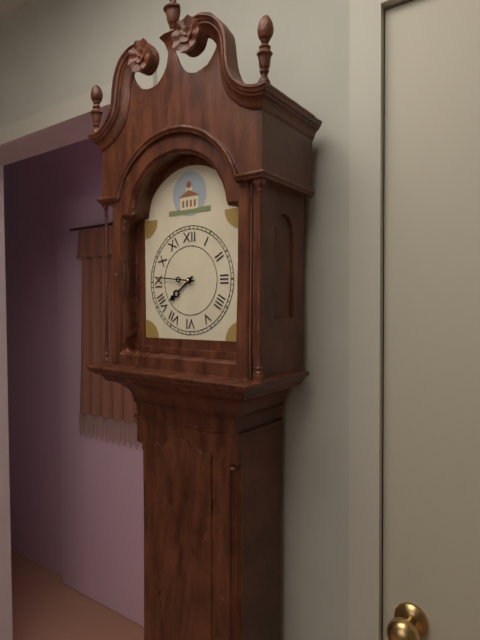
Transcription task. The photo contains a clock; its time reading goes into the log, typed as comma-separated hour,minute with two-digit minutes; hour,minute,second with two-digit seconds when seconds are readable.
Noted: 7,46
